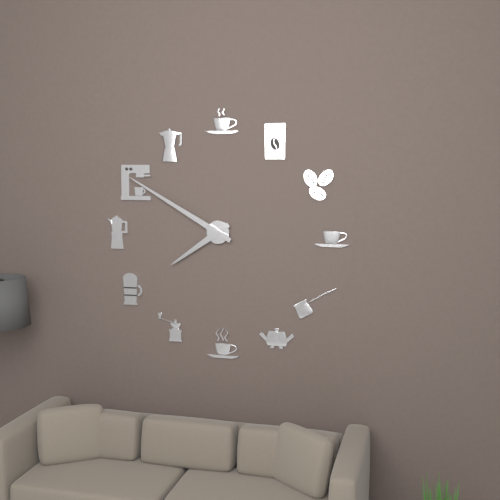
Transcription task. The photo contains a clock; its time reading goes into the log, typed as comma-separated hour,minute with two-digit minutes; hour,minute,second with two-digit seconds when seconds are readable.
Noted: 7,50
